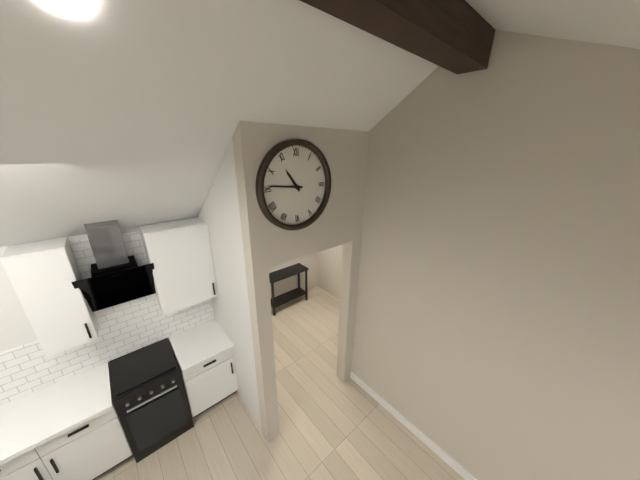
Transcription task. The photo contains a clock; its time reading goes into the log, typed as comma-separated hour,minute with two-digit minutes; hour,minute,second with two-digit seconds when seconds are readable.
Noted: 10,46
